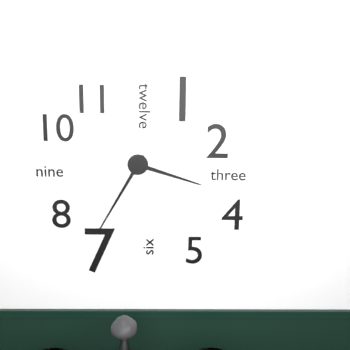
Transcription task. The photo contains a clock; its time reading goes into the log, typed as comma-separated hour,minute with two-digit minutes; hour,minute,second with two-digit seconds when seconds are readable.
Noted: 3,35
